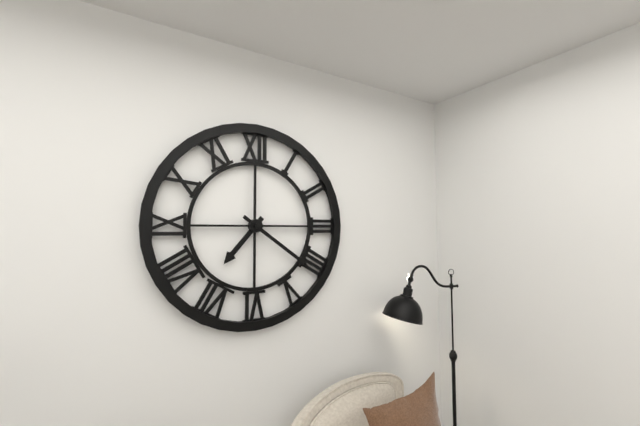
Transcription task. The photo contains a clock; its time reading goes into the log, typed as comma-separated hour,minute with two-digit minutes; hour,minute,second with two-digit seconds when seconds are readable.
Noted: 7,21
